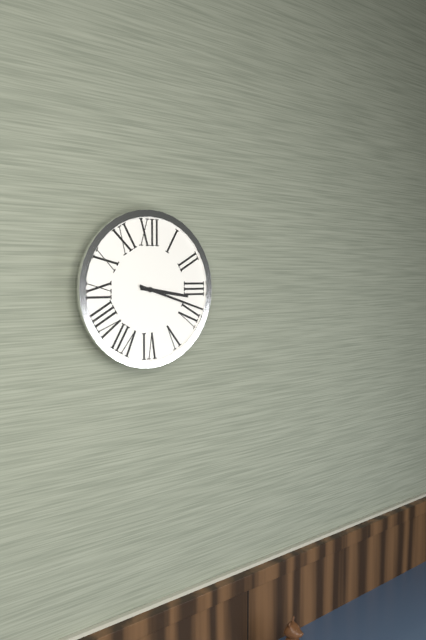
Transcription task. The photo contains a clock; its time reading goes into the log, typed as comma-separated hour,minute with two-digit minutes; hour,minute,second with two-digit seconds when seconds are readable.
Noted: 3,18
